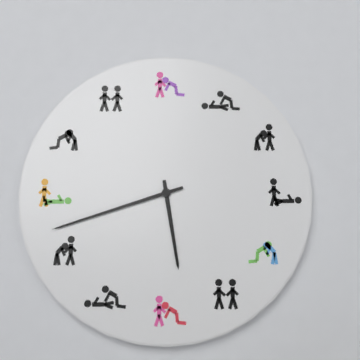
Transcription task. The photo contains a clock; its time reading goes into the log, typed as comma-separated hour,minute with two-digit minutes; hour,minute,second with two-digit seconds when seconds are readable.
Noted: 5,42
